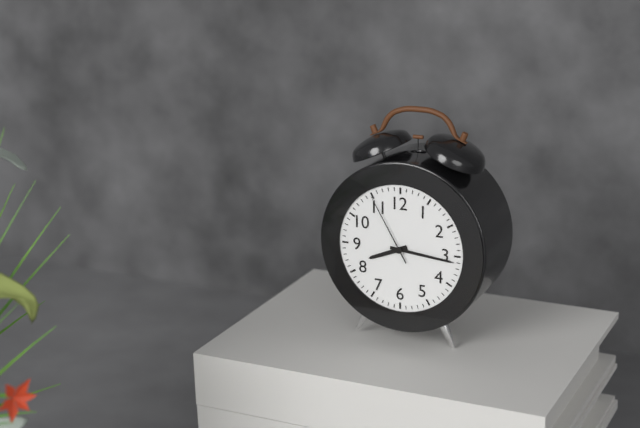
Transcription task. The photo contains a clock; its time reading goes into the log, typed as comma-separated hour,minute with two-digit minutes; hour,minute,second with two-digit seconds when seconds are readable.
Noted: 8,16,55
